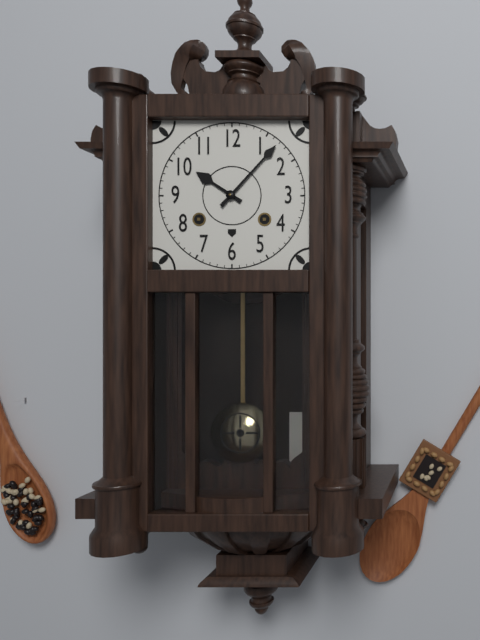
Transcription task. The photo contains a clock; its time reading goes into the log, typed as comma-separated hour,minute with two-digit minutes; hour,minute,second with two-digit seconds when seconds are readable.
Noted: 10,07
